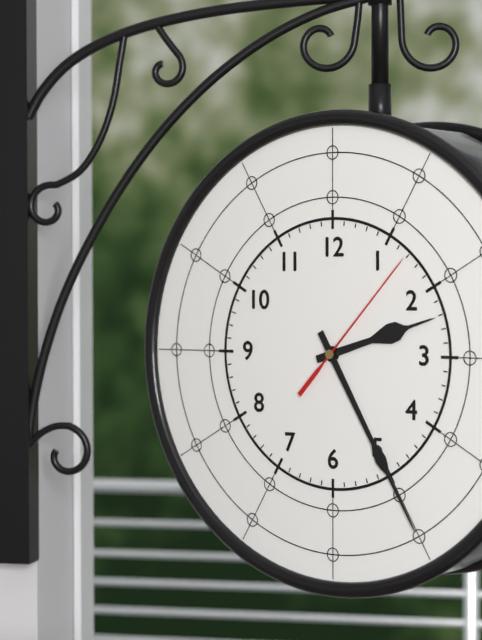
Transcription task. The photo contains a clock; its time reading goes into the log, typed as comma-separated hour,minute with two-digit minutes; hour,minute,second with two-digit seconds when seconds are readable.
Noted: 2,25,07
